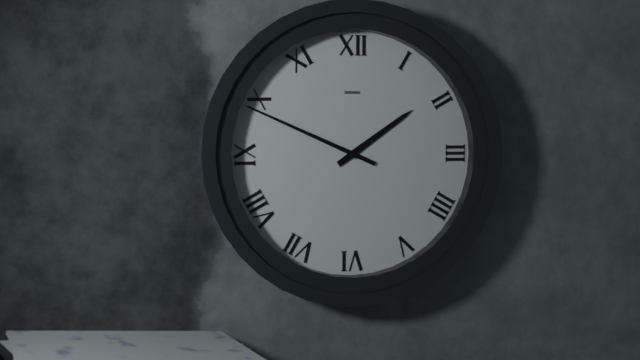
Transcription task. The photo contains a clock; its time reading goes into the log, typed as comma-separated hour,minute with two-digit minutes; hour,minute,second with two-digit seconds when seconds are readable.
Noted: 1,49
